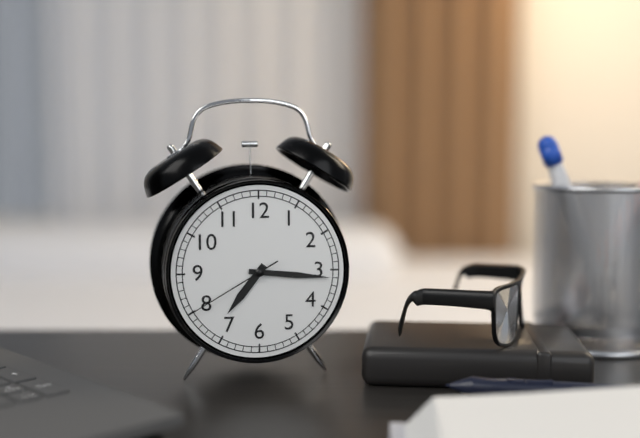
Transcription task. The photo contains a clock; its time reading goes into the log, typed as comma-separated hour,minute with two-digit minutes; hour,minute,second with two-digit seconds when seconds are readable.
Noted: 7,16,40
